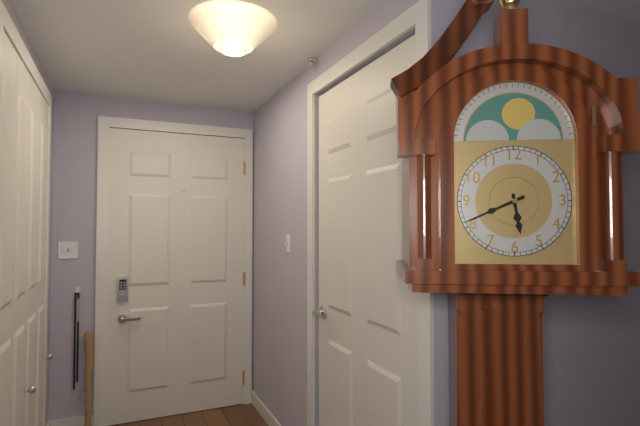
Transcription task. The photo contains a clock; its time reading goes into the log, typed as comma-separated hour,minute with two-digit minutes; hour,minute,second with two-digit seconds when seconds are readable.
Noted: 5,41
